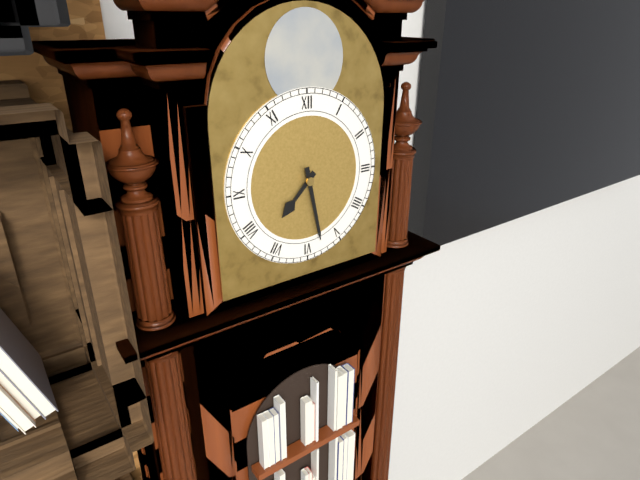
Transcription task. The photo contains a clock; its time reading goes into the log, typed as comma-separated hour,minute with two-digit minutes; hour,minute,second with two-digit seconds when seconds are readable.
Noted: 7,28
